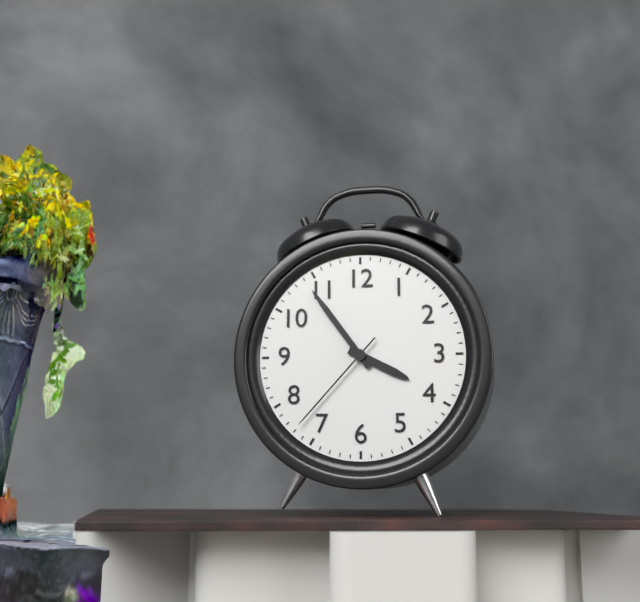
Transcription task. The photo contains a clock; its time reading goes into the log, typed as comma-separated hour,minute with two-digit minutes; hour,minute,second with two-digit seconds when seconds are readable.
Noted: 3,54,37
